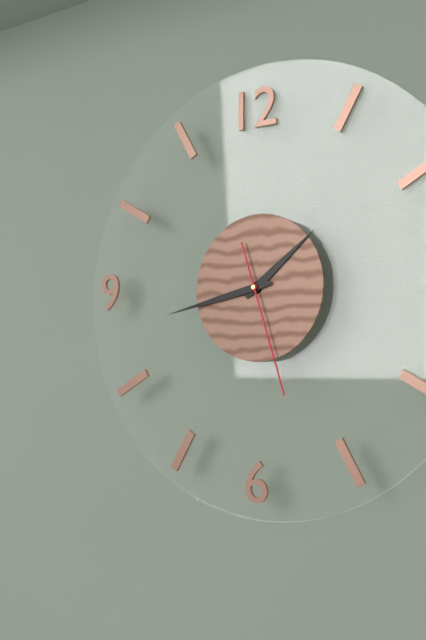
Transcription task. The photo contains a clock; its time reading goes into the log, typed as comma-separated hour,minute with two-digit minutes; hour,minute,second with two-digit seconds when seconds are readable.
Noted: 1,43,27
